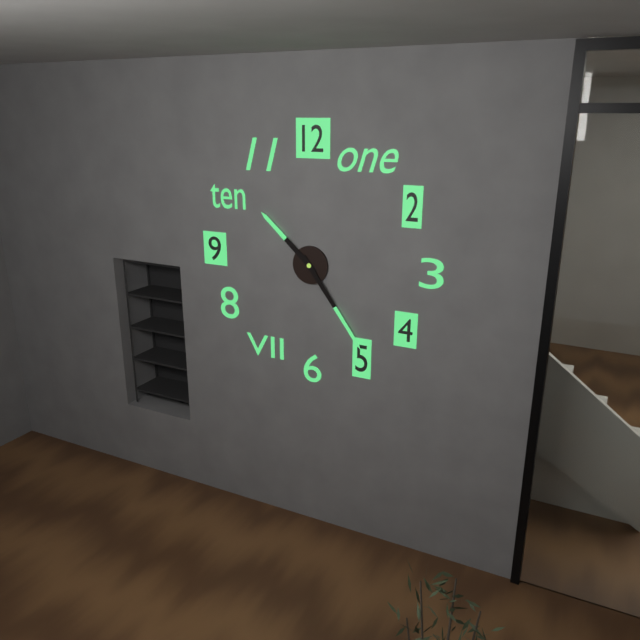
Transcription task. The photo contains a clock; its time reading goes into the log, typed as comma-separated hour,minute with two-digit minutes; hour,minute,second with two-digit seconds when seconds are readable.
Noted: 10,24
